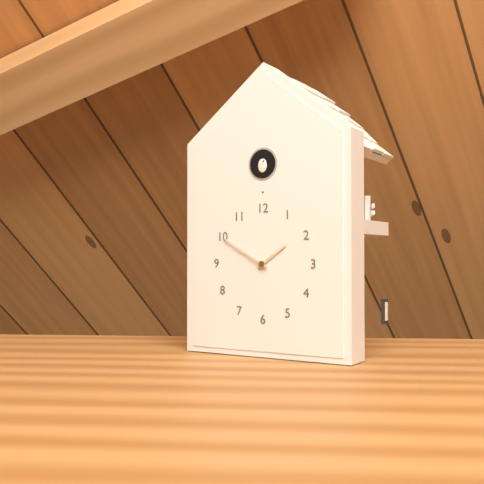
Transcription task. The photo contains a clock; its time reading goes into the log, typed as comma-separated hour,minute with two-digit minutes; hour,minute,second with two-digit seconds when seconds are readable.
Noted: 1,50
